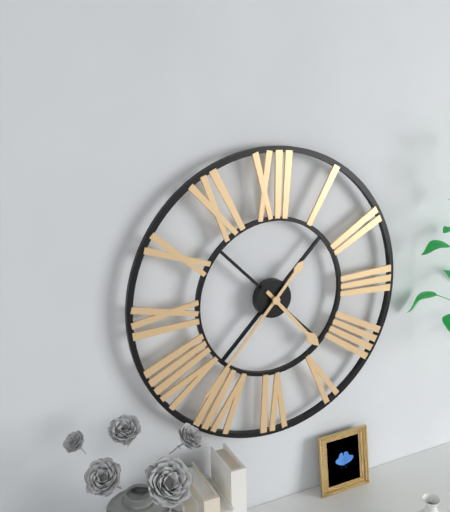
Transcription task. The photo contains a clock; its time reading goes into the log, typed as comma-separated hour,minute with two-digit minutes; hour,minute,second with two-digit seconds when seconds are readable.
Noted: 4,37
